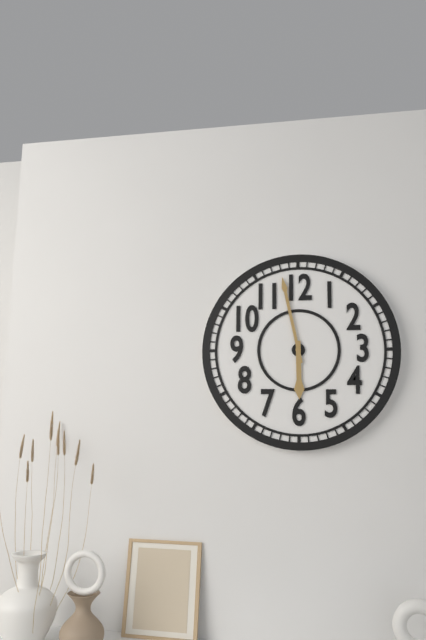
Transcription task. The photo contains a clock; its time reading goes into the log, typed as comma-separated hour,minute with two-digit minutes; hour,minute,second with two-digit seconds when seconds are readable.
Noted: 5,58
